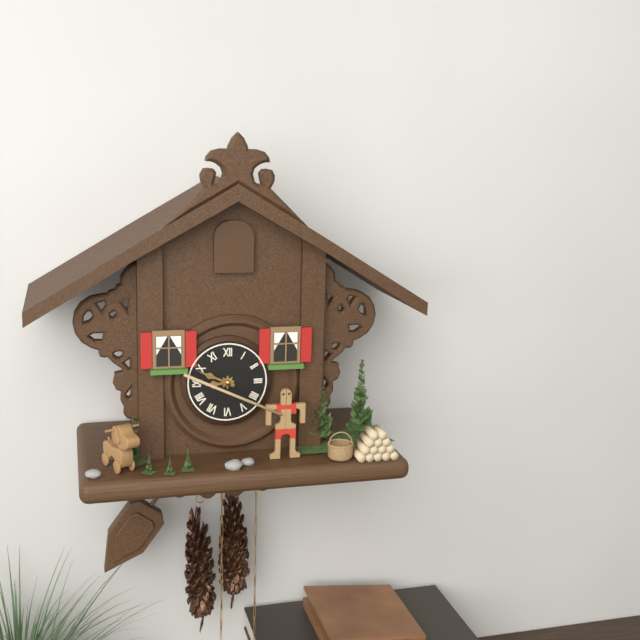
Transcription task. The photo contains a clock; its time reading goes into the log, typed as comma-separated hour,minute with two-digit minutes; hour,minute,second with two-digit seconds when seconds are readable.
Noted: 8,49
